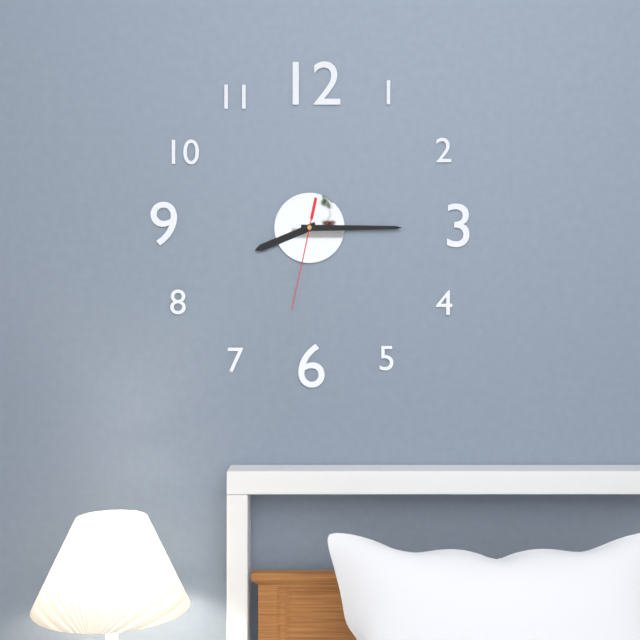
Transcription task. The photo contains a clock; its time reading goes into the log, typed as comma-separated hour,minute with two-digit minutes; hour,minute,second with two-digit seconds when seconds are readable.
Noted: 8,15,32
